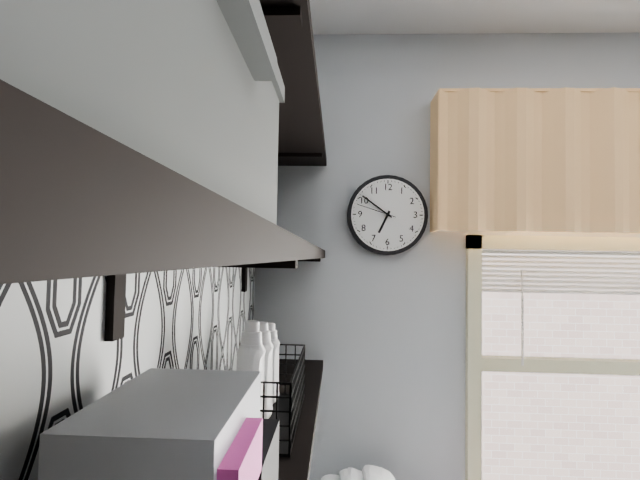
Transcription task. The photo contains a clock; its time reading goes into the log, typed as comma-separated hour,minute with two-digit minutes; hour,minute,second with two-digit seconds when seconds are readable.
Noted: 6,51
